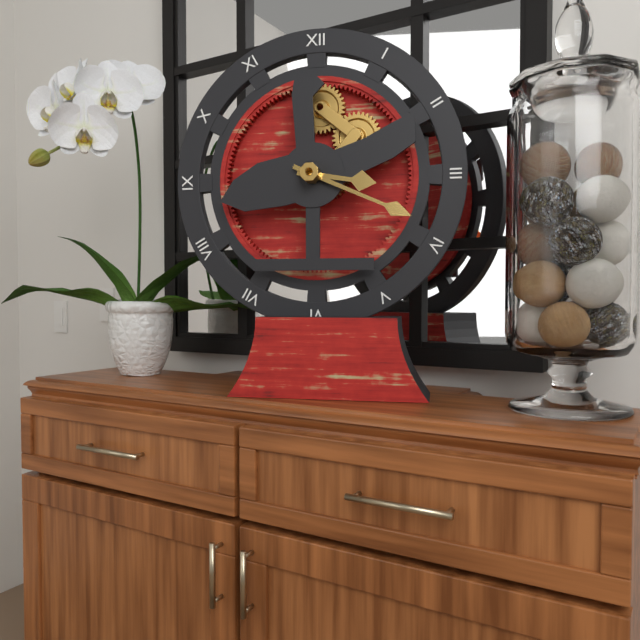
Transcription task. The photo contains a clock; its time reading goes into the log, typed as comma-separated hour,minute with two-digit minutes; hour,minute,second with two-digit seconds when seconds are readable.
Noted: 3,19
